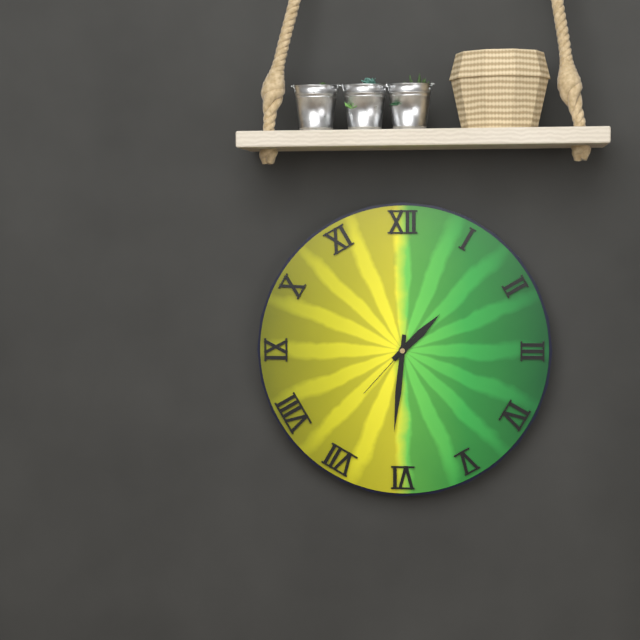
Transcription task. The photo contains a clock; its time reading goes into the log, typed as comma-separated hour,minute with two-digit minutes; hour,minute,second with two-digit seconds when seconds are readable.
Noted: 1,31,37
